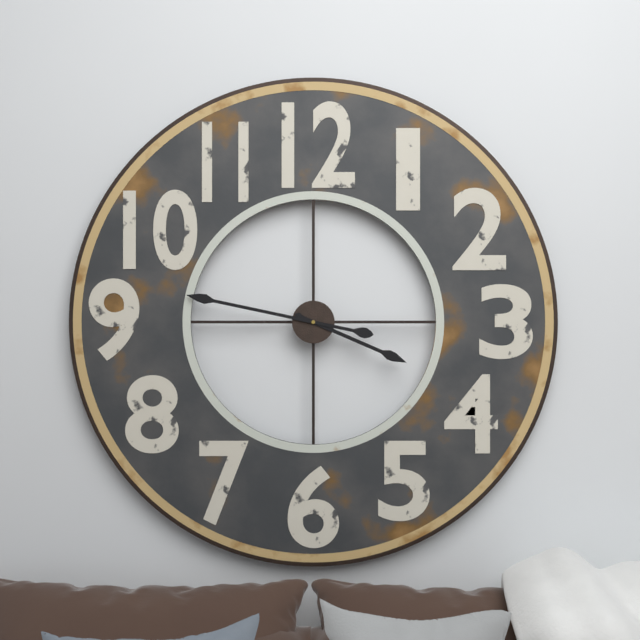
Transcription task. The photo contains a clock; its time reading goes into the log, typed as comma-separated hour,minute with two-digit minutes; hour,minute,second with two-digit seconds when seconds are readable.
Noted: 3,47
